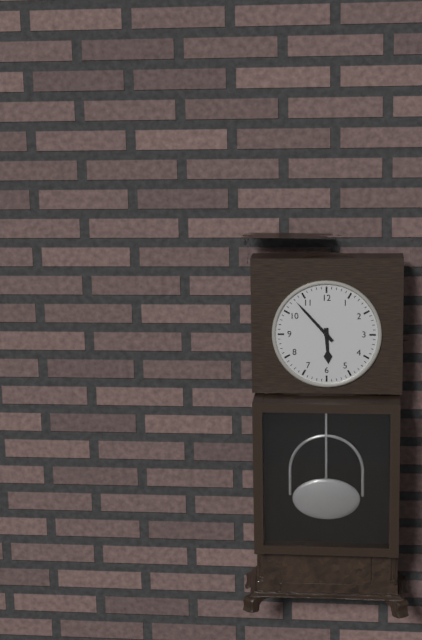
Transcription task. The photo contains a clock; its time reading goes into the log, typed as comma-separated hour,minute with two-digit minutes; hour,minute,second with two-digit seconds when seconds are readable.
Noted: 5,53
